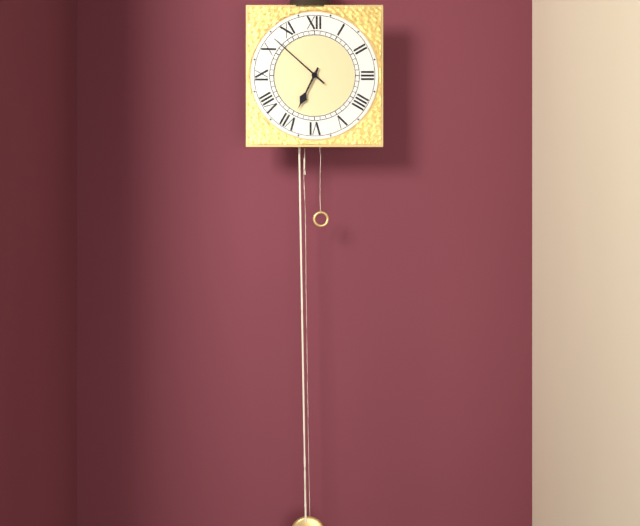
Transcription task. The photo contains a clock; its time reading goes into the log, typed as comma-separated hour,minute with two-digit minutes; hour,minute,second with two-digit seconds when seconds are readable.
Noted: 6,52
